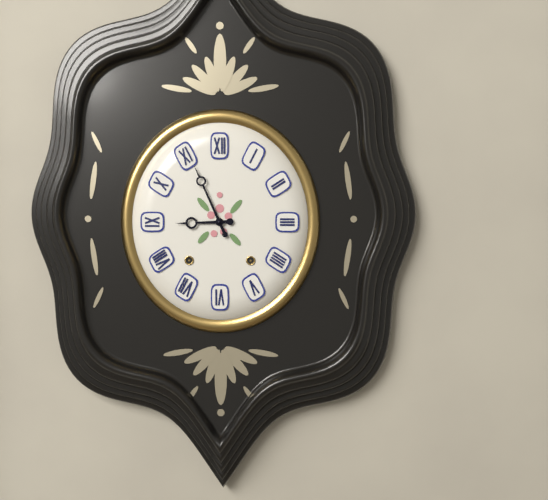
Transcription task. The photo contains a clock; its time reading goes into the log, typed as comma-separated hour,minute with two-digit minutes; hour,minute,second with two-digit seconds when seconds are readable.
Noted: 8,56
